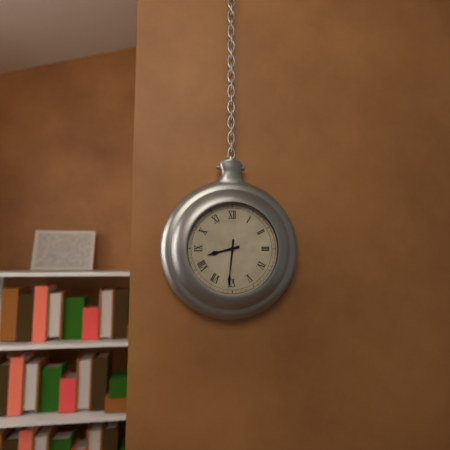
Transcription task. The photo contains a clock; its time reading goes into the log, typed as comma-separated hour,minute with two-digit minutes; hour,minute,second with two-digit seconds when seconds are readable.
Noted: 8,31
